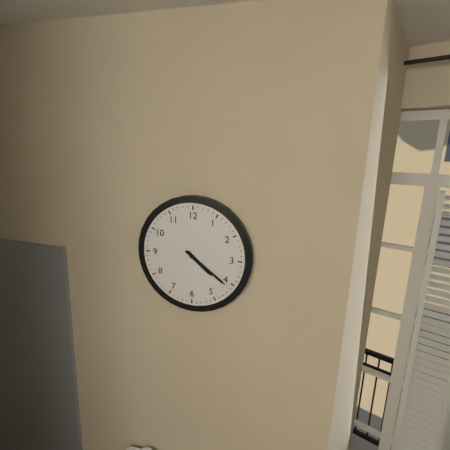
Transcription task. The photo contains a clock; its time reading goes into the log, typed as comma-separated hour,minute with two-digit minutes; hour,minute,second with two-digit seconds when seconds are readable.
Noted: 4,21
